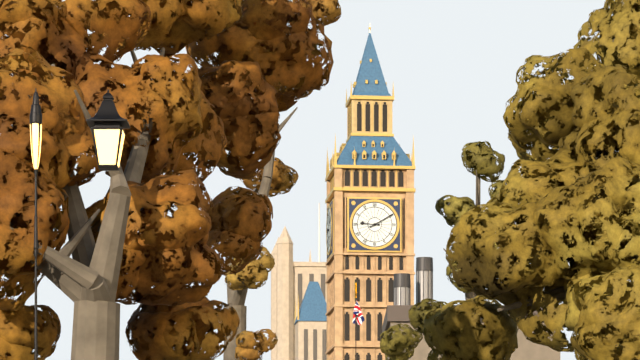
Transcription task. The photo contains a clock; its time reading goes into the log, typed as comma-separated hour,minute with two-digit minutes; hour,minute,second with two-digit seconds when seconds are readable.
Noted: 9,10
